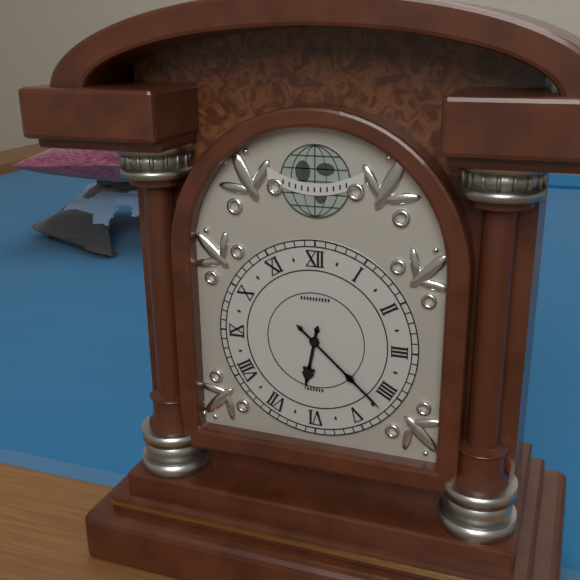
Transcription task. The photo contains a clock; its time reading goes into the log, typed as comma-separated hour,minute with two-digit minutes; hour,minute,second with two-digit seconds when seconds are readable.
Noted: 6,22
